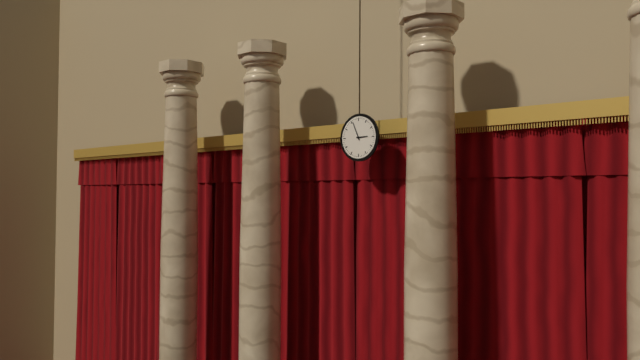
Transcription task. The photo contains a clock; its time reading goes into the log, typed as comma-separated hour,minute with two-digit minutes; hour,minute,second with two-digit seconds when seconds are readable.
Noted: 2,56
